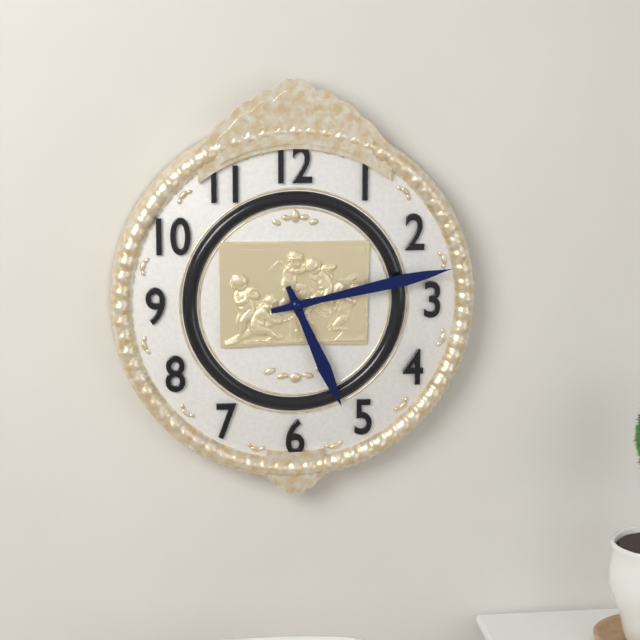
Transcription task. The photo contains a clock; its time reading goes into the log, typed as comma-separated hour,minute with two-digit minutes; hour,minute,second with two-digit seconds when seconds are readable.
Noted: 5,13
